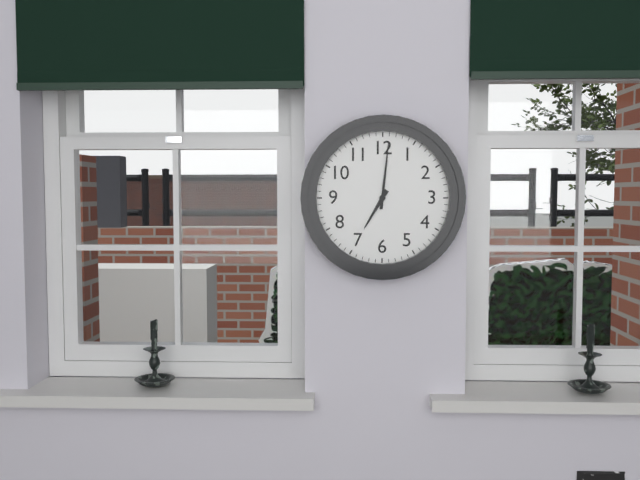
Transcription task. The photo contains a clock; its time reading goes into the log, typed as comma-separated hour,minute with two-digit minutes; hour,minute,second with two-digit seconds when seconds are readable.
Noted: 7,01
